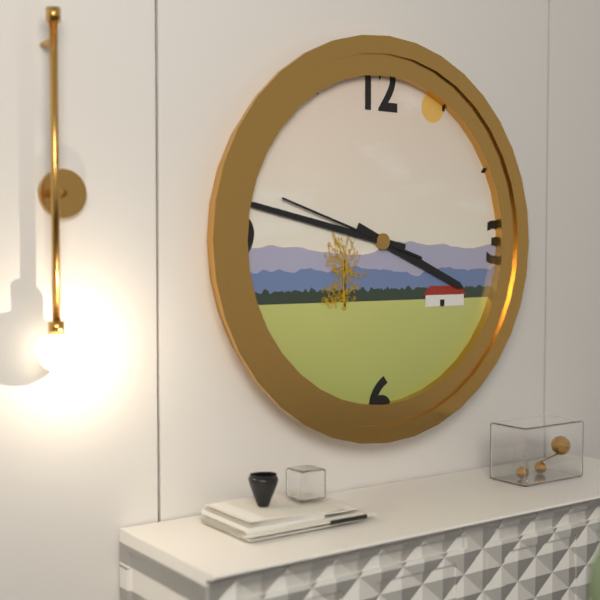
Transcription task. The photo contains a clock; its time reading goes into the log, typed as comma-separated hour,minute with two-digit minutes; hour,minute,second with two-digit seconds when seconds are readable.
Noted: 3,47,48
